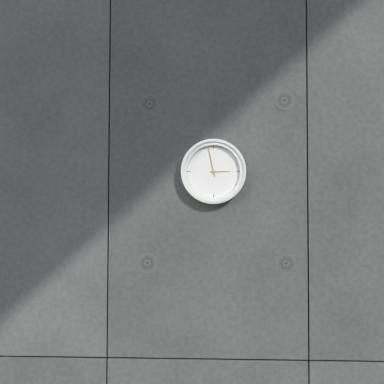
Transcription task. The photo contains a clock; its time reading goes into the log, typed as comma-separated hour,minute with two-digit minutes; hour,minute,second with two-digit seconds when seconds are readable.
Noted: 2,58
